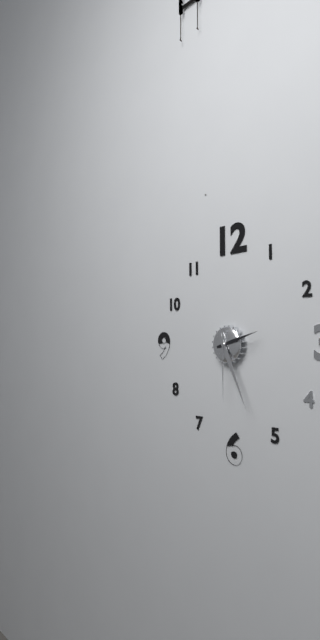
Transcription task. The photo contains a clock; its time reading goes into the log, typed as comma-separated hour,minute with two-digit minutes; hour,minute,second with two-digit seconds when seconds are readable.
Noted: 2,26,30
